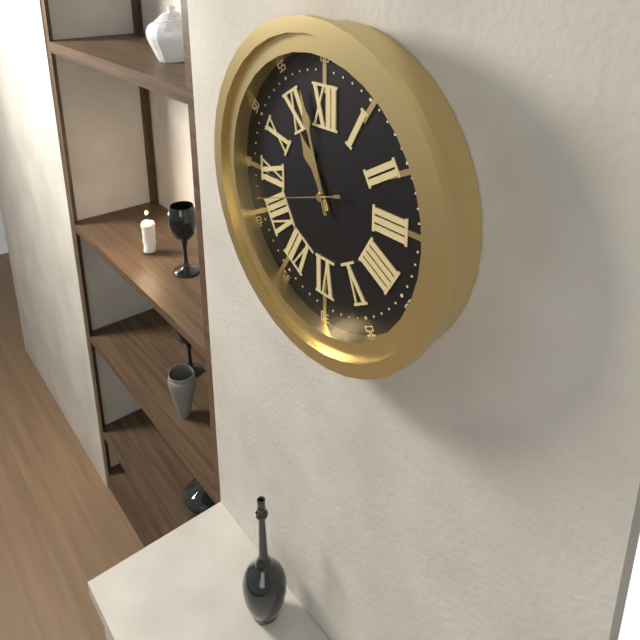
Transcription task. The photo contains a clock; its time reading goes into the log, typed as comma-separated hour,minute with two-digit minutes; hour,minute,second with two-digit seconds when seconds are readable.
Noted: 10,57,42
